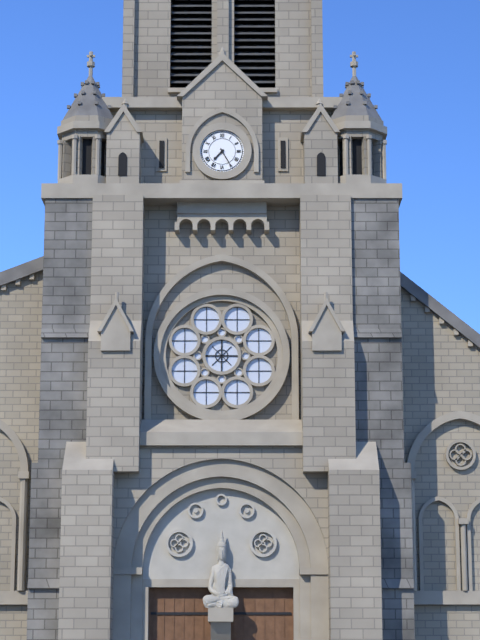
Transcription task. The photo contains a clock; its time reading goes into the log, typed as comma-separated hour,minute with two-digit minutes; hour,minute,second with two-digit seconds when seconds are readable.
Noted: 7,25
